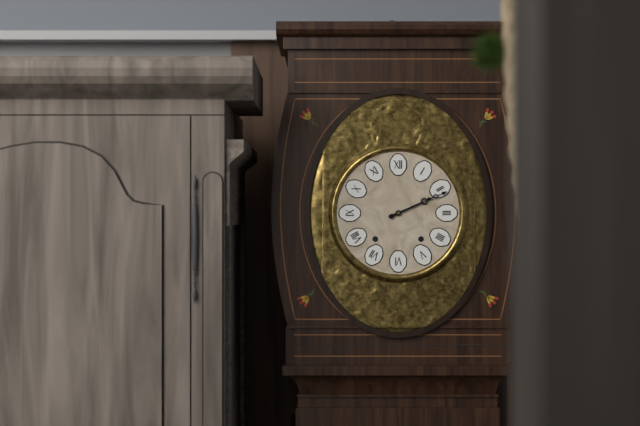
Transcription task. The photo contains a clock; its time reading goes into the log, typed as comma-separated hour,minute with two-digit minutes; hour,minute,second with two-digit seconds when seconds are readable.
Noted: 2,11
